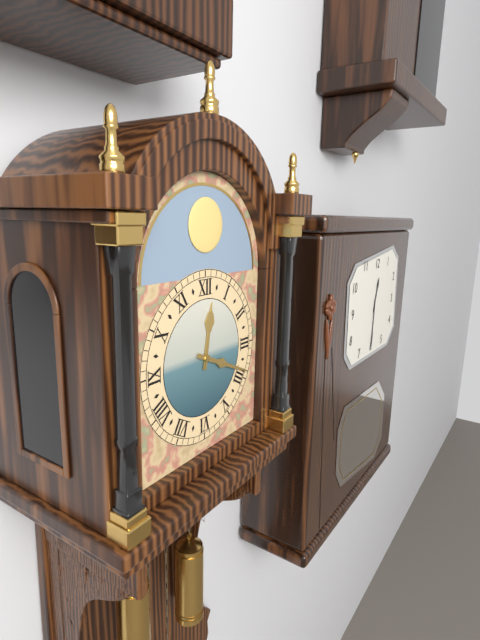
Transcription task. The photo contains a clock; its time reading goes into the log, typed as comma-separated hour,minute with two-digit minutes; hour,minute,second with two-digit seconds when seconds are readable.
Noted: 12,19
